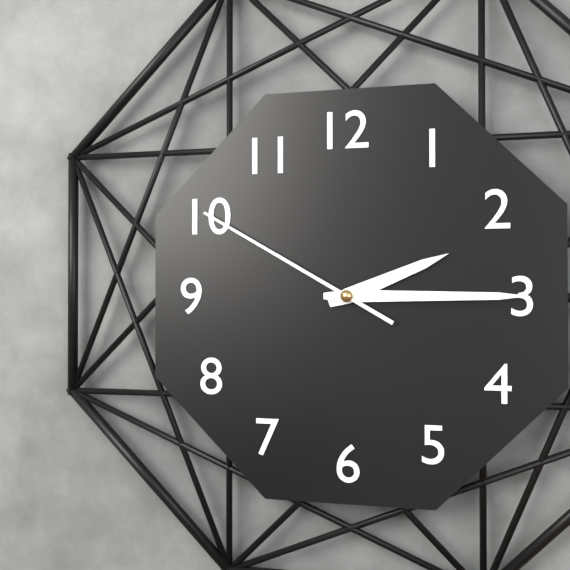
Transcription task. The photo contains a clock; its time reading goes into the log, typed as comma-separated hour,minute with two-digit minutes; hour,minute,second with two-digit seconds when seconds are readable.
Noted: 2,15,50
